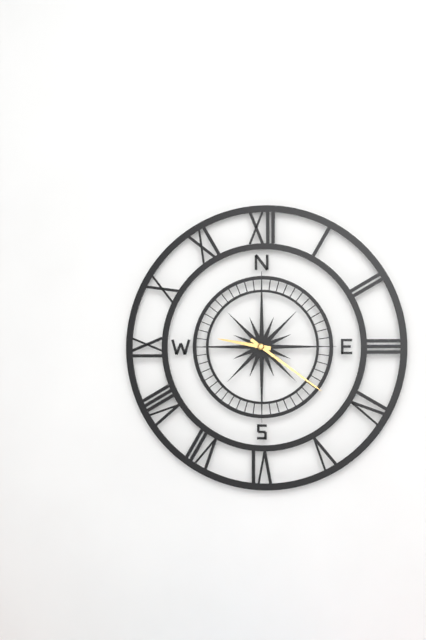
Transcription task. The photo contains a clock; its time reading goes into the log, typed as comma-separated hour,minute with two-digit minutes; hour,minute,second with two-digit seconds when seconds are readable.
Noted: 9,21
